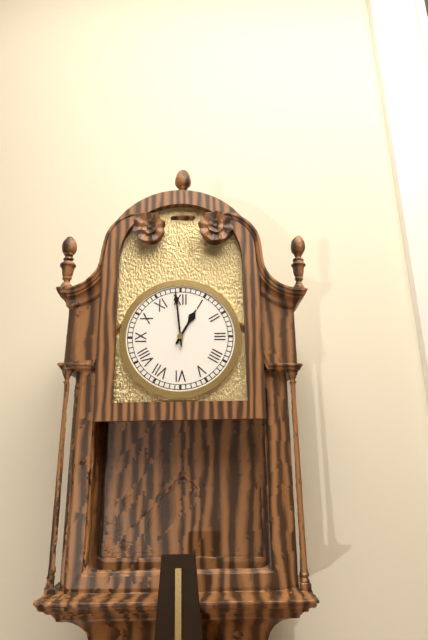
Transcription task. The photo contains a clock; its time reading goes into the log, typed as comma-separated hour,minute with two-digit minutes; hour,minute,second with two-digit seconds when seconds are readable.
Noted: 12,59
